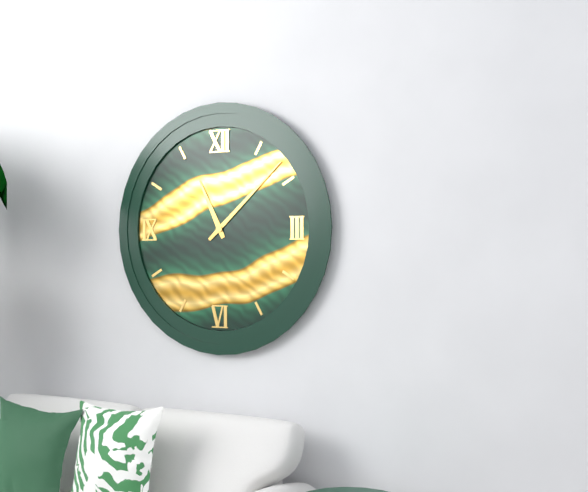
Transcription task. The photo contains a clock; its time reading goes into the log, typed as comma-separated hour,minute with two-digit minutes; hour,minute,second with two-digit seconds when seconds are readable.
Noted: 11,08
